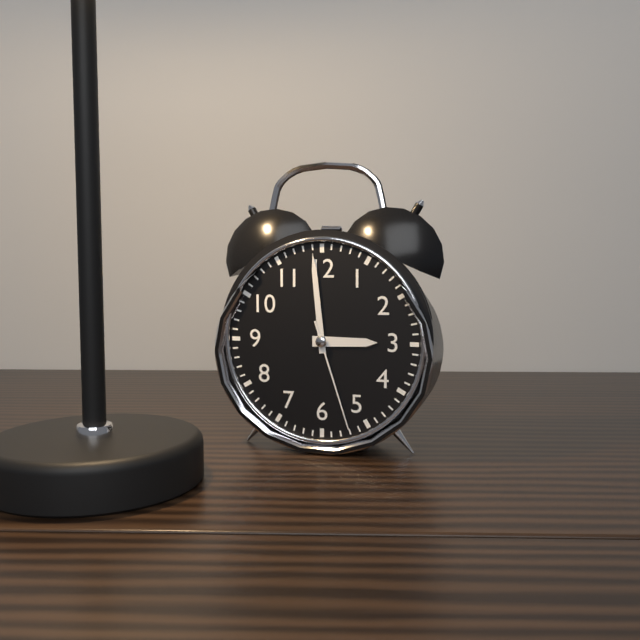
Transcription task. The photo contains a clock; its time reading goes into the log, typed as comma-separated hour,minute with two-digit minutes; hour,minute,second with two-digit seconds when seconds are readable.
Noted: 2,59,27
